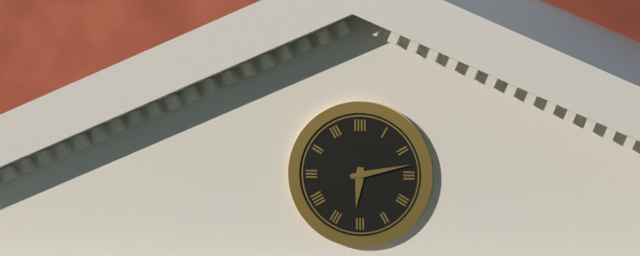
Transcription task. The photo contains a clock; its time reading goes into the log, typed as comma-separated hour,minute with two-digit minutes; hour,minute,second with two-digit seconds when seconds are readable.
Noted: 6,13
